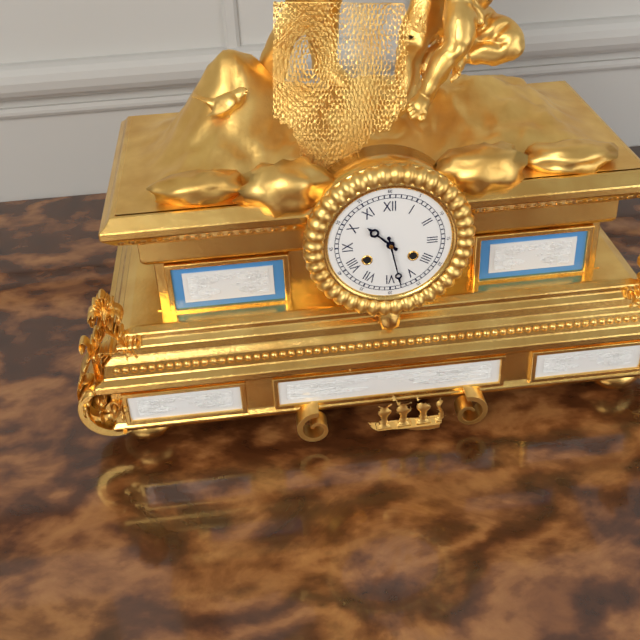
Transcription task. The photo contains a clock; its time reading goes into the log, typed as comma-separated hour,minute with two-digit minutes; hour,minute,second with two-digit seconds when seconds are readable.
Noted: 10,28
